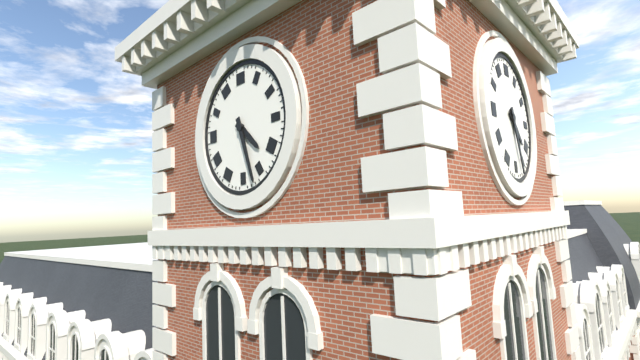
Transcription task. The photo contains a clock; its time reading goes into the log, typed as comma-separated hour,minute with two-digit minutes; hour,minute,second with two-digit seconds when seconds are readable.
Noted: 4,27
